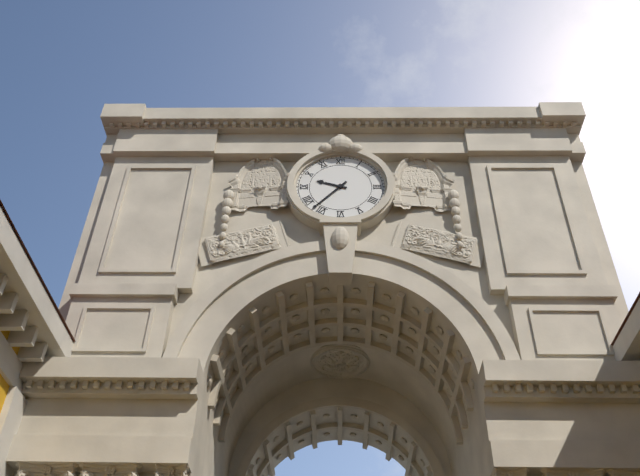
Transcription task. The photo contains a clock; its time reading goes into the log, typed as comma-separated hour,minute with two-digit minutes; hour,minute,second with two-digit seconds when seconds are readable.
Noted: 9,37
